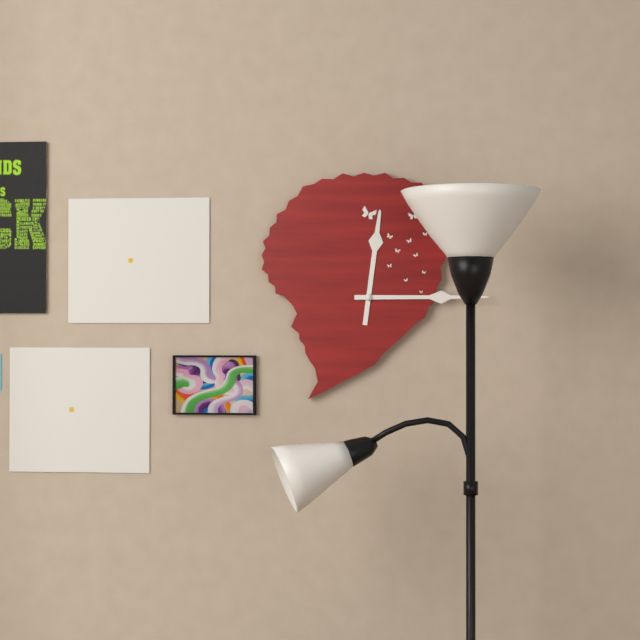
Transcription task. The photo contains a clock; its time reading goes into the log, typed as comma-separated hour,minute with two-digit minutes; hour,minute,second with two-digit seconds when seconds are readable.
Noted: 12,15
